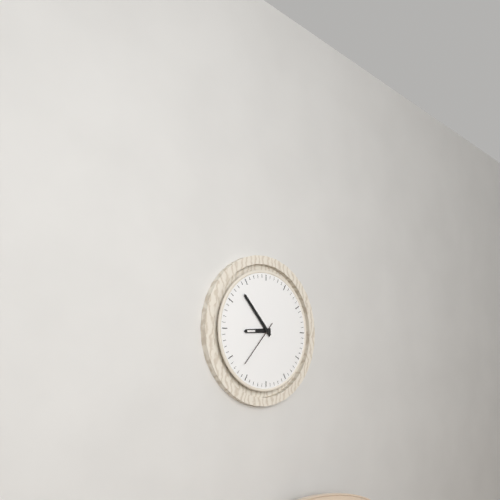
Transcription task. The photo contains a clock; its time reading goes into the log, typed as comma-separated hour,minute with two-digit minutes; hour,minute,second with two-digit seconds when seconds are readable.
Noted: 8,53
